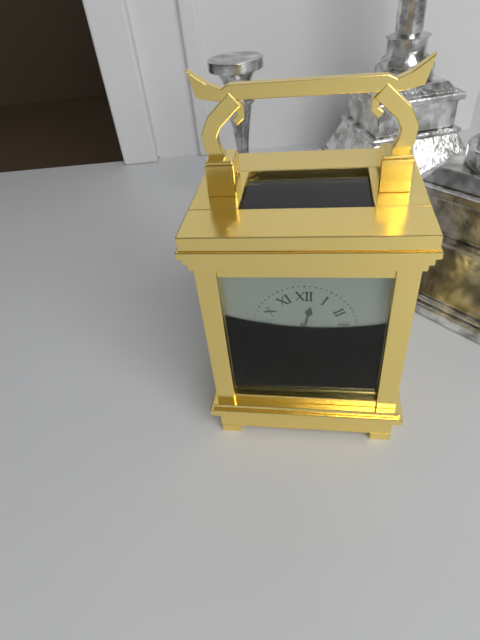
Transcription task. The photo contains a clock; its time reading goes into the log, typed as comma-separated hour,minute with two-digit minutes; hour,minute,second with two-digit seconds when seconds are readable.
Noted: 12,26
